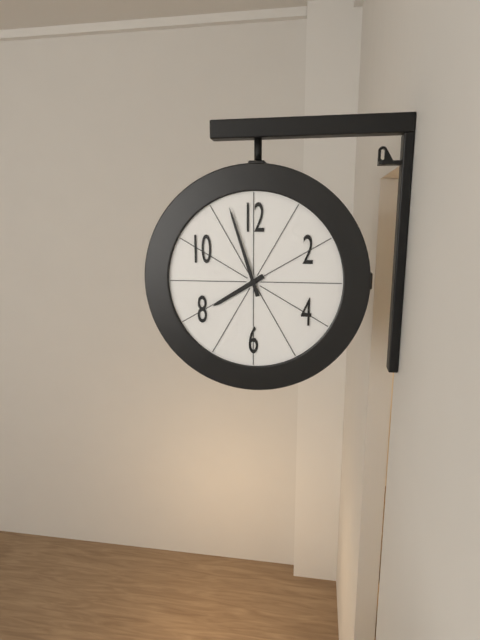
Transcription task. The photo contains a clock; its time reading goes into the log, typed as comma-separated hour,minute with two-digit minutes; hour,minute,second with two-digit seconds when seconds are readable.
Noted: 7,57
